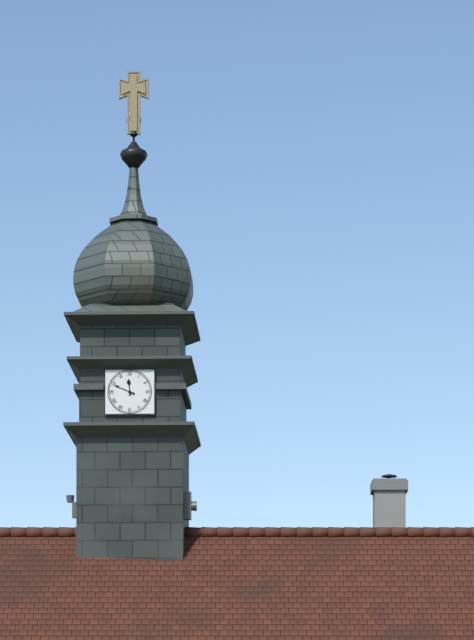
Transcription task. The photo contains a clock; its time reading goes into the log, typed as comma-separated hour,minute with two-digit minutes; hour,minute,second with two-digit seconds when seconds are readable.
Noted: 11,49
